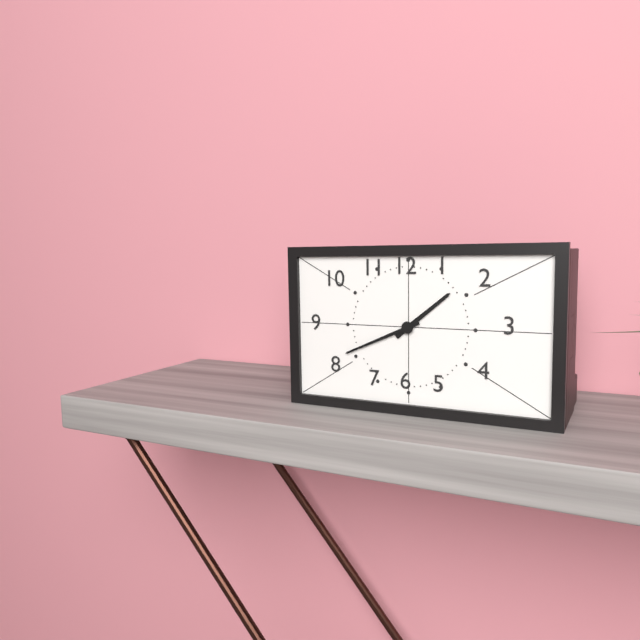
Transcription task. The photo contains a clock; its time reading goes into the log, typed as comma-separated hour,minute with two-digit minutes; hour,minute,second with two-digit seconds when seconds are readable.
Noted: 1,41
